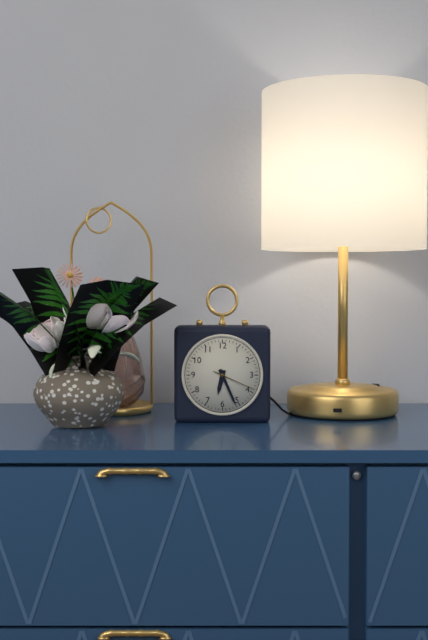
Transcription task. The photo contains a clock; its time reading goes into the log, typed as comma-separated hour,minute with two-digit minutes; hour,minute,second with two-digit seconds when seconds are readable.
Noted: 6,26
